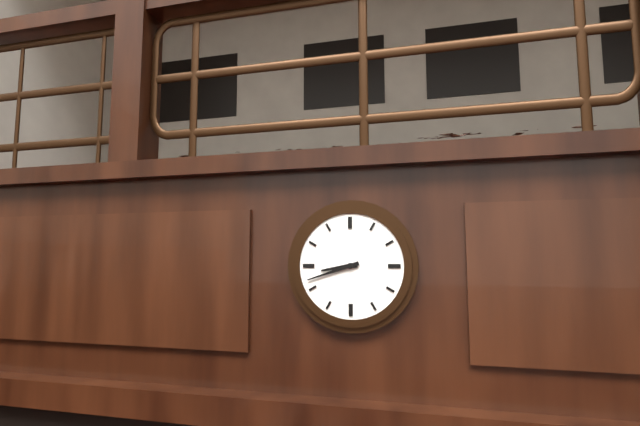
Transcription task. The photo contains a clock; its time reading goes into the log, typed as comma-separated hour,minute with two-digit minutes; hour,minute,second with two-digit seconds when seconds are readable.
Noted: 8,42
